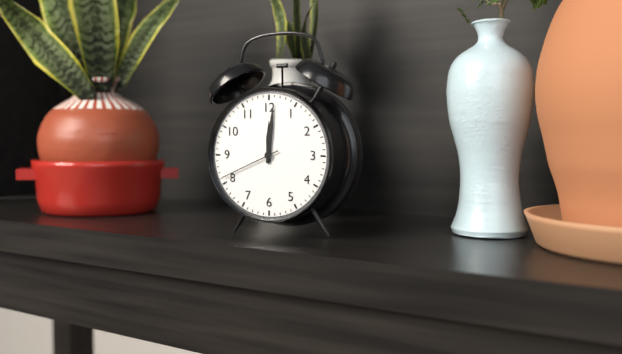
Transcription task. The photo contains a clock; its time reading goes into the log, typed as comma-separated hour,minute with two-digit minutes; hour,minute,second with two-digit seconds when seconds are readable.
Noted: 12,01,41
